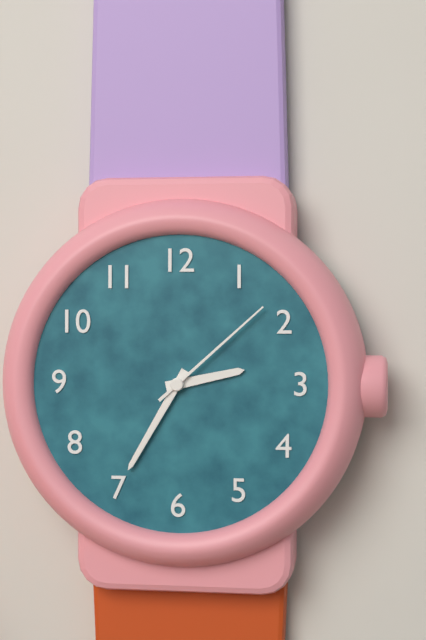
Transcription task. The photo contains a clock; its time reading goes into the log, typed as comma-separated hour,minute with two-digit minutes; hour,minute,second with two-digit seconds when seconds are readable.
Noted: 2,35,08
